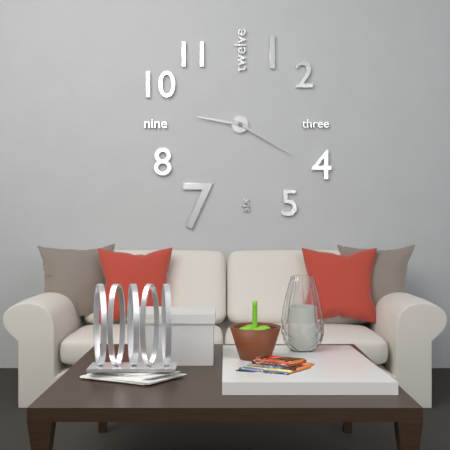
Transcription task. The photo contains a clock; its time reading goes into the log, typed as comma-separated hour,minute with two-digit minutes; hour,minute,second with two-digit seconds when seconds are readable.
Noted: 9,20
